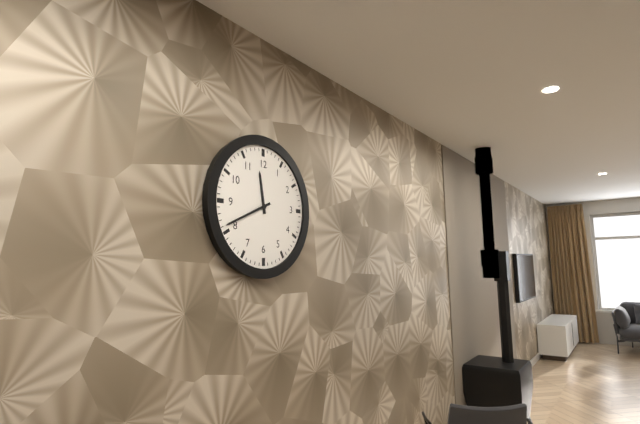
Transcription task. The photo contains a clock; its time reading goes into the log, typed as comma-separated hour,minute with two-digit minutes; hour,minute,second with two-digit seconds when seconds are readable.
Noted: 11,41
